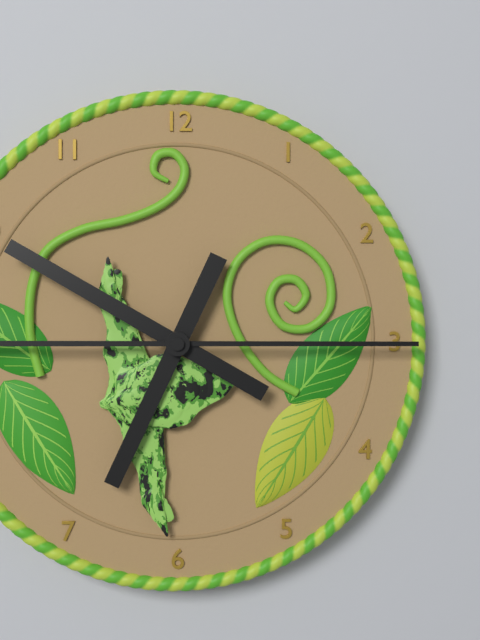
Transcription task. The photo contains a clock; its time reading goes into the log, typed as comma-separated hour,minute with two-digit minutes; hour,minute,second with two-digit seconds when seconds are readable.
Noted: 6,50,15
